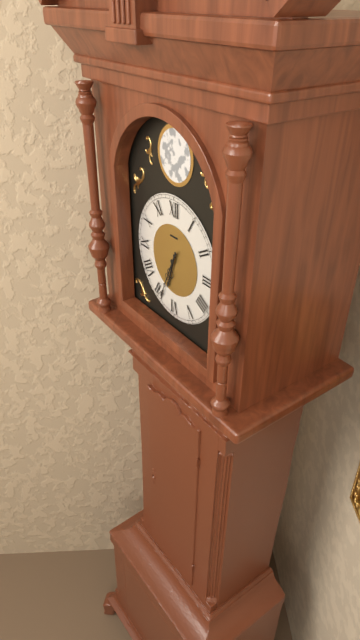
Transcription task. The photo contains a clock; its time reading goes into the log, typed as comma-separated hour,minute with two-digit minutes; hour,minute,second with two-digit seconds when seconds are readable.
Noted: 6,34
